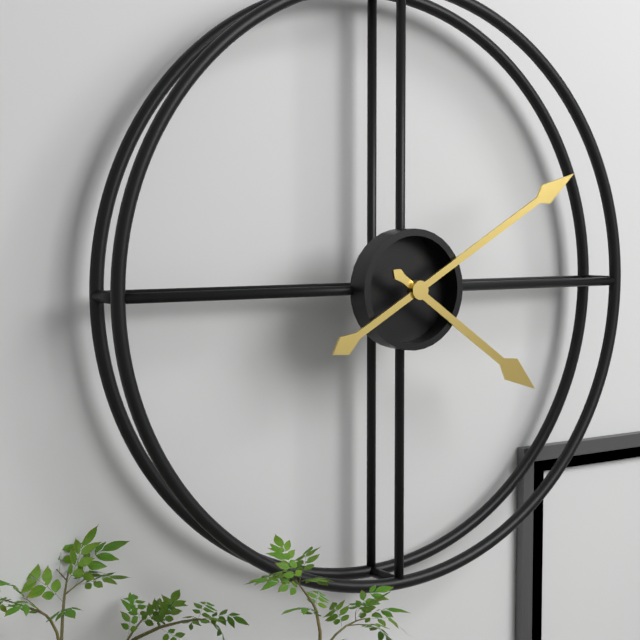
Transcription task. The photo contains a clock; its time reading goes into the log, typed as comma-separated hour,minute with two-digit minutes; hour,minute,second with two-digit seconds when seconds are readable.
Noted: 4,10
